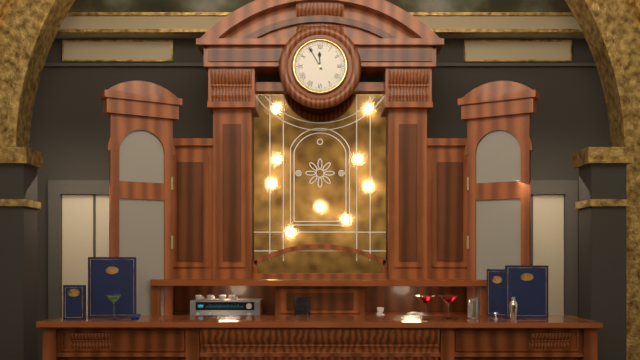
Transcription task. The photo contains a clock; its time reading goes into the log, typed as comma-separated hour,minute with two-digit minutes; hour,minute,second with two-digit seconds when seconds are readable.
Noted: 11,55
